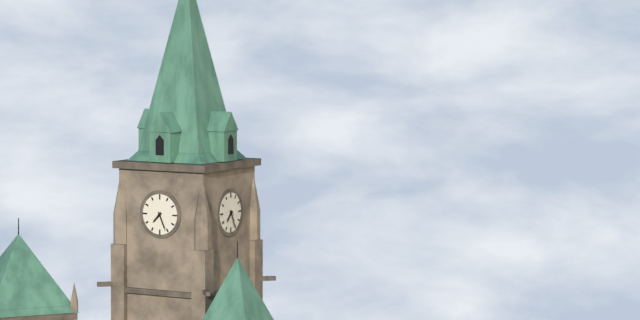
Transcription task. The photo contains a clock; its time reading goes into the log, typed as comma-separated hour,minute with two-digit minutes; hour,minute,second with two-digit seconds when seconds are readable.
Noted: 7,26
